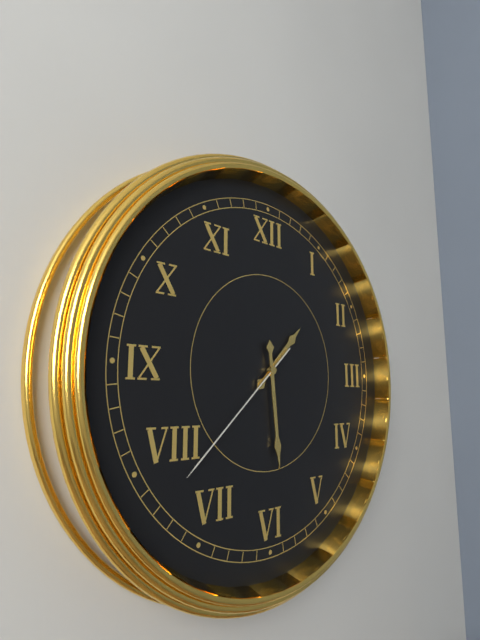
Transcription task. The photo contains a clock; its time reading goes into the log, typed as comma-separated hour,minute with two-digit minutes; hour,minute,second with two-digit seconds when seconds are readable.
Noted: 1,29,38
